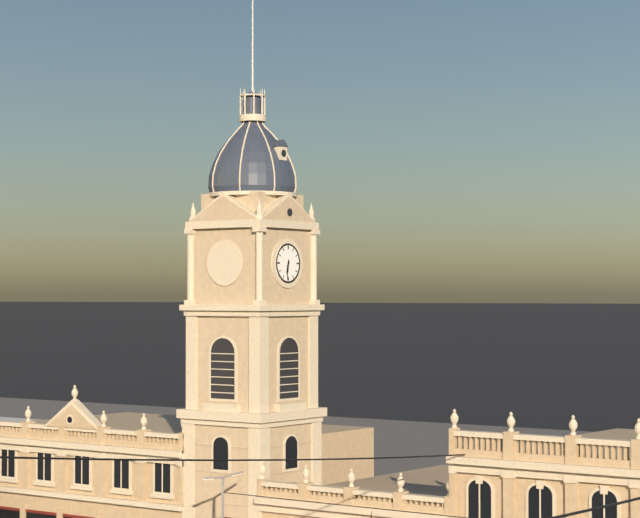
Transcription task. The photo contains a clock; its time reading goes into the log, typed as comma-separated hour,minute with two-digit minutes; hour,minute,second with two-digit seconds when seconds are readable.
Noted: 6,31
